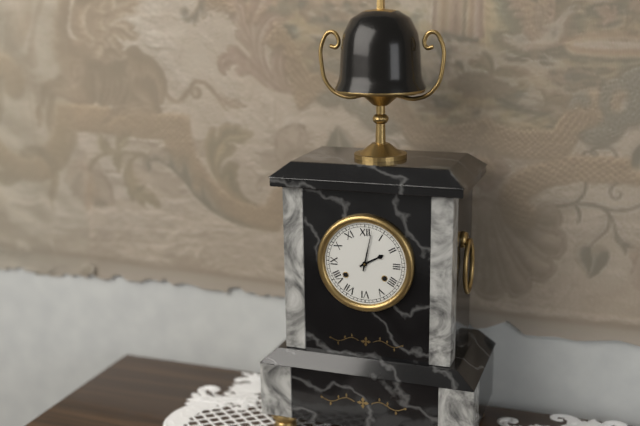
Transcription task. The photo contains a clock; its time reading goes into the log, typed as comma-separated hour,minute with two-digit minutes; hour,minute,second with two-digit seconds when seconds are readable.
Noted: 2,02
